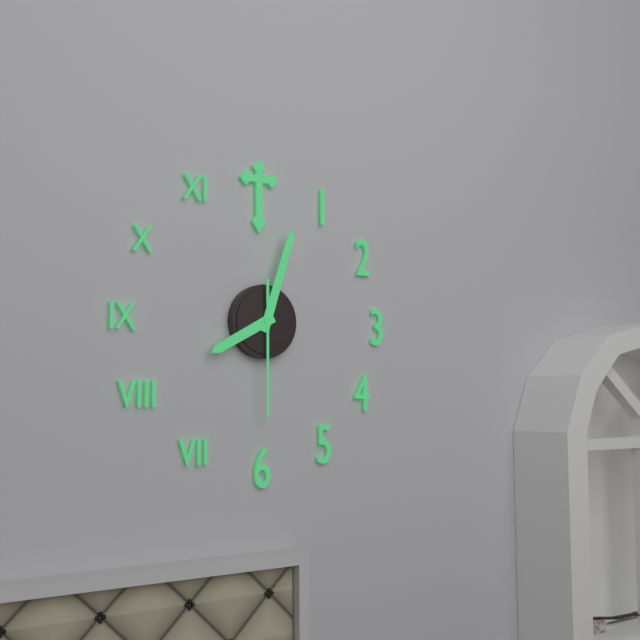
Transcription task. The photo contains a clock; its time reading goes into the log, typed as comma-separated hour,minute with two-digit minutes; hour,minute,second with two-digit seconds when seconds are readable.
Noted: 8,03,30
